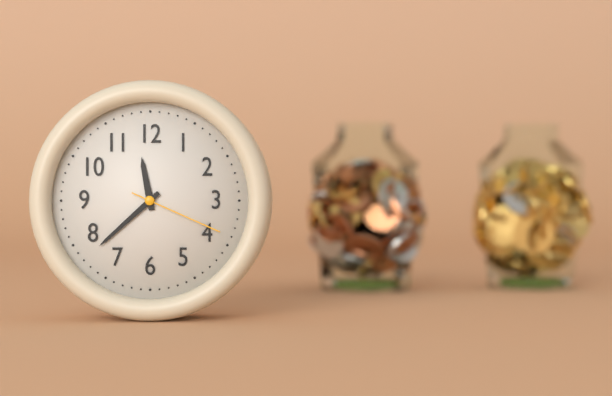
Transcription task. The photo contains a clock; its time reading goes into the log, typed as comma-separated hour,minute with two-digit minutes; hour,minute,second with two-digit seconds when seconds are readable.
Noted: 11,38,19
